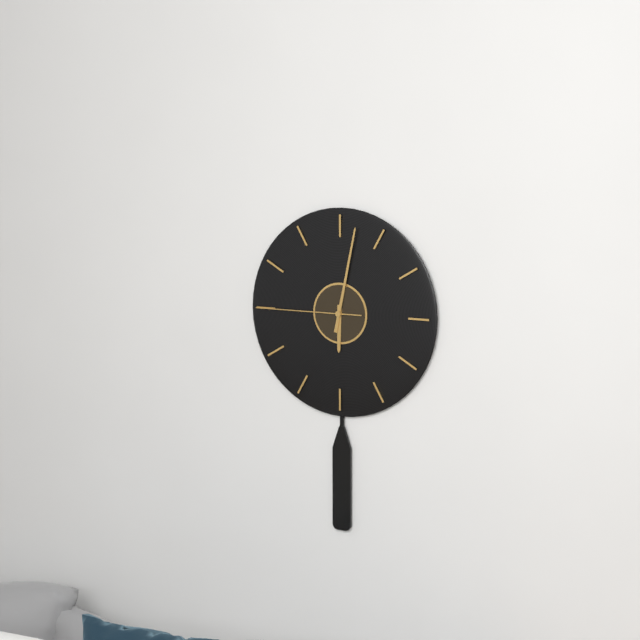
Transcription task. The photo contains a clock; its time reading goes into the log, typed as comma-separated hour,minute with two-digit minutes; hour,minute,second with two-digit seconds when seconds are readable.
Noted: 6,02,45
